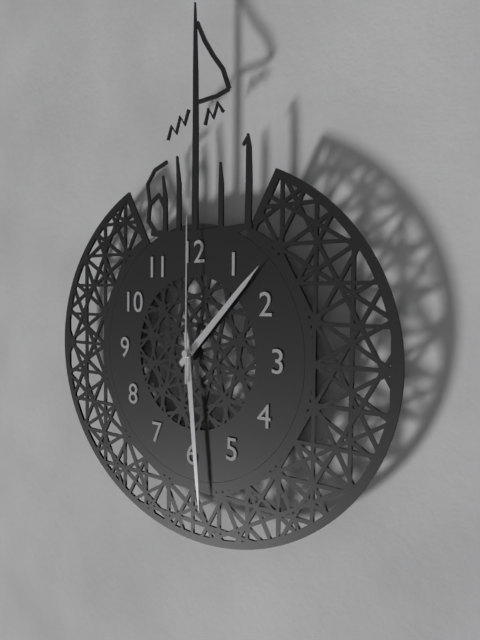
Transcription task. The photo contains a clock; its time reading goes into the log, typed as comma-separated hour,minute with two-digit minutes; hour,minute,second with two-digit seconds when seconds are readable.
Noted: 1,29,00
